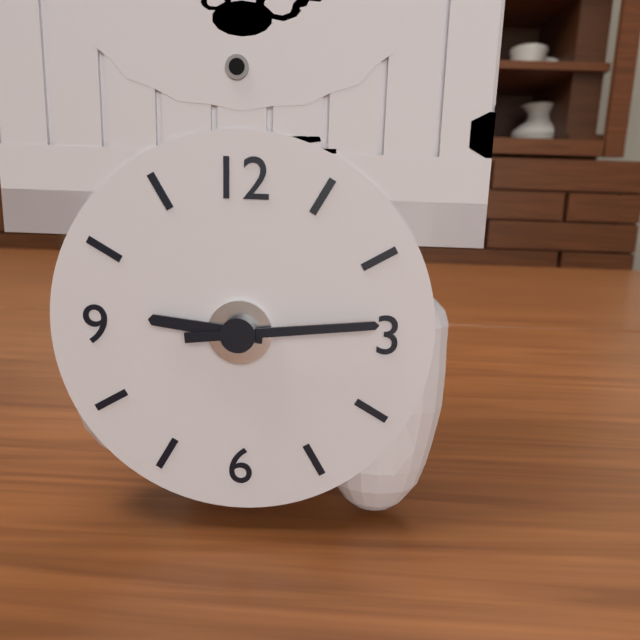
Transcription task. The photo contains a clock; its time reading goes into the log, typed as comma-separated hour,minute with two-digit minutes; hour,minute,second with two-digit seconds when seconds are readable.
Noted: 9,14
